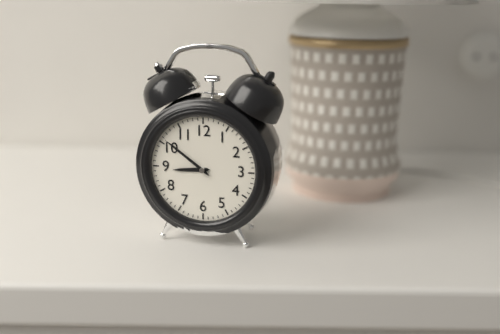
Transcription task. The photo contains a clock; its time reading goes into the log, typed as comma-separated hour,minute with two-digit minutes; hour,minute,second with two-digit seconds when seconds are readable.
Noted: 8,51
